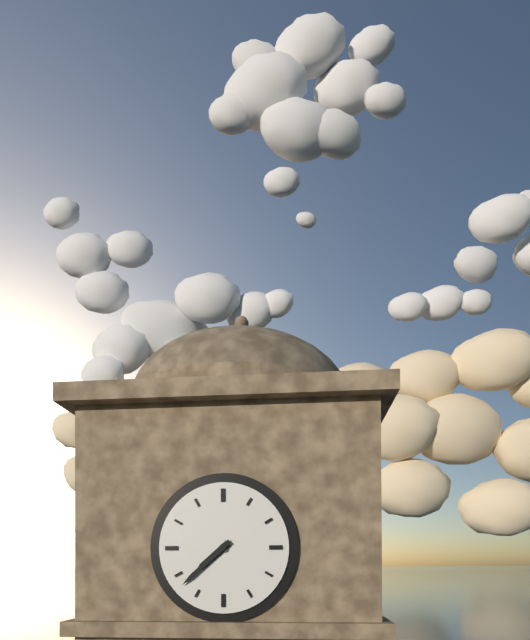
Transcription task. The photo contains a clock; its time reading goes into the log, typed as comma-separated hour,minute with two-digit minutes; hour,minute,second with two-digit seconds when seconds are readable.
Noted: 7,38
